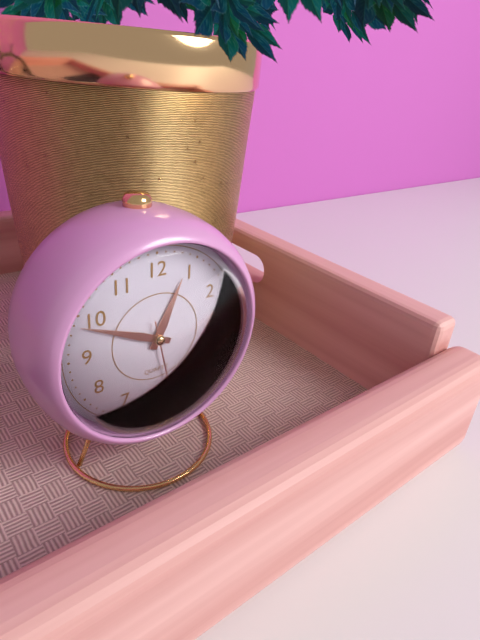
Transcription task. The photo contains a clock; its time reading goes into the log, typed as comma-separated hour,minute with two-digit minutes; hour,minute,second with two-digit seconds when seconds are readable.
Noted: 12,49,28
